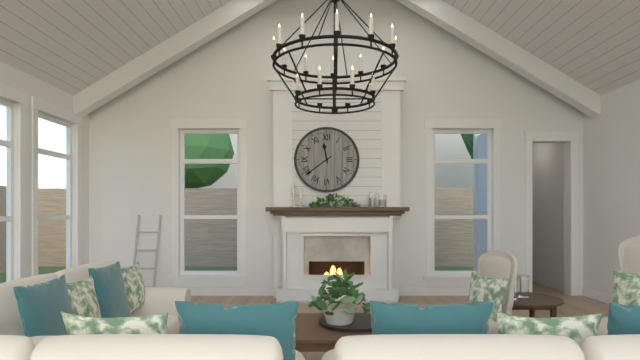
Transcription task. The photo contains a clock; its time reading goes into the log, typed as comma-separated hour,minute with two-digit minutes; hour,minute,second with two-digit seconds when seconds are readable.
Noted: 11,39
